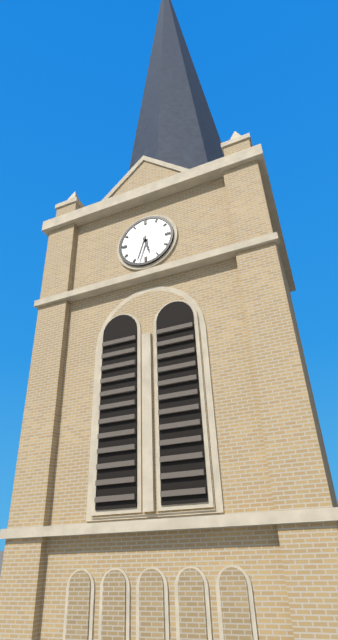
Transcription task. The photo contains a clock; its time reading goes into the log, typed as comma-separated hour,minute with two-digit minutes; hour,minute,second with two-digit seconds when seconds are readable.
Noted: 5,33
